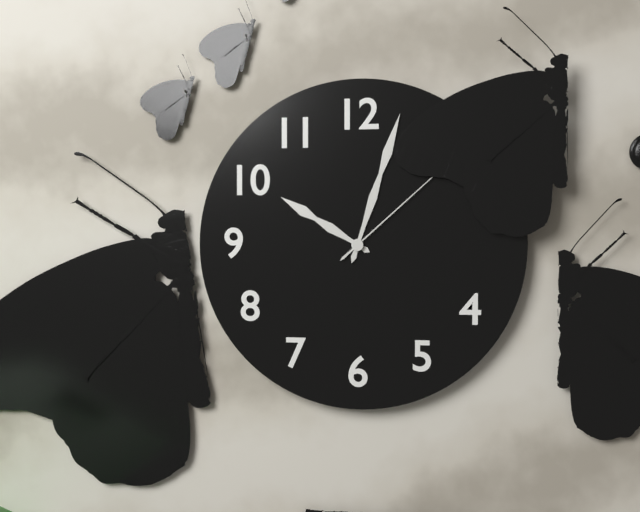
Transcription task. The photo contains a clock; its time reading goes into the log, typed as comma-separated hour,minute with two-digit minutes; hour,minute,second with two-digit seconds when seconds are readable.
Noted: 10,03,08
